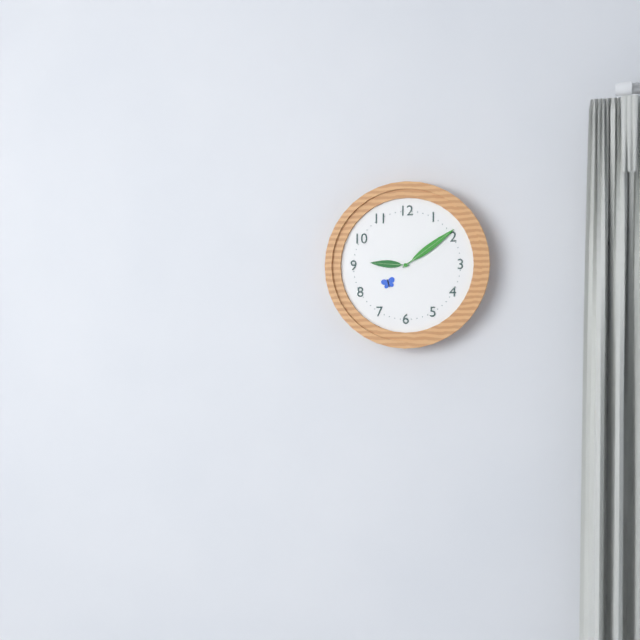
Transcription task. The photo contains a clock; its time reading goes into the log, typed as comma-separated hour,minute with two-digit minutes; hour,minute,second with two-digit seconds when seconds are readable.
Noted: 9,09
